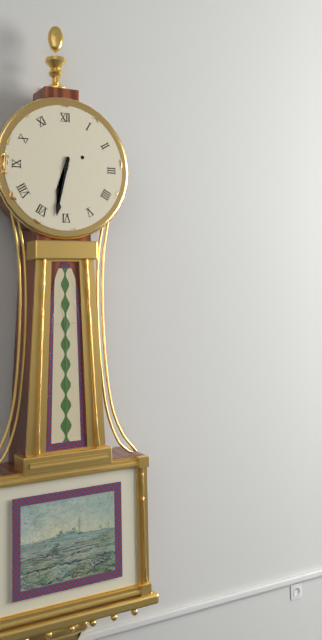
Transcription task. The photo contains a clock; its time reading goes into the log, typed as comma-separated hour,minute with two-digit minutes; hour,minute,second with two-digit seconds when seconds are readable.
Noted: 6,32
